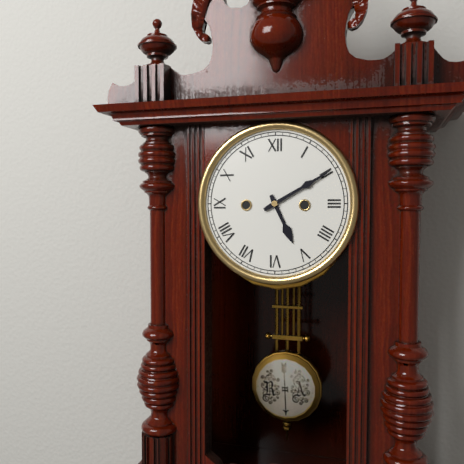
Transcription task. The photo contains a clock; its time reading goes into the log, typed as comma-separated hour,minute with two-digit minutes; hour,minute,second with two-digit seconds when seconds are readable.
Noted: 5,10
